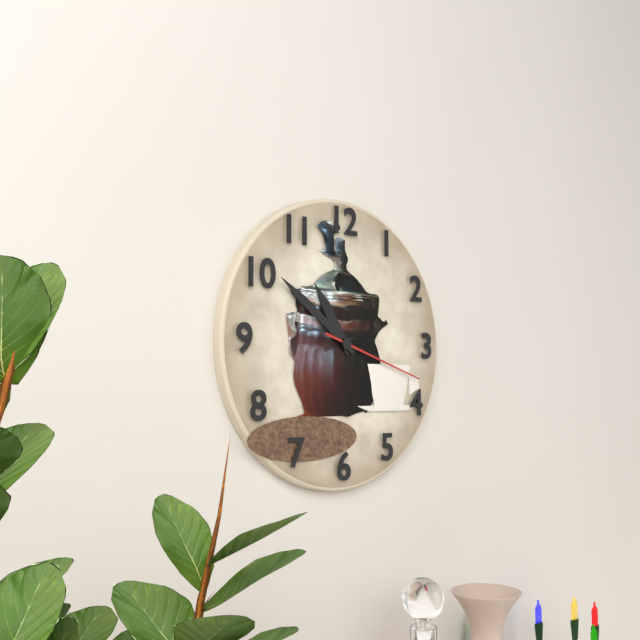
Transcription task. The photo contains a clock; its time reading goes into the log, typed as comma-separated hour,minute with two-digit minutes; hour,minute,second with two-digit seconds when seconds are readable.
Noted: 10,51,18
